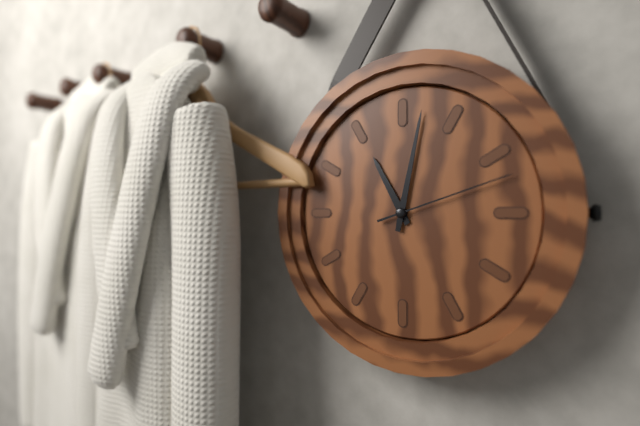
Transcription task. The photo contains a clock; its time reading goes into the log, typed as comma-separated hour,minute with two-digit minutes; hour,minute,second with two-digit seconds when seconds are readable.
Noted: 11,02,12
